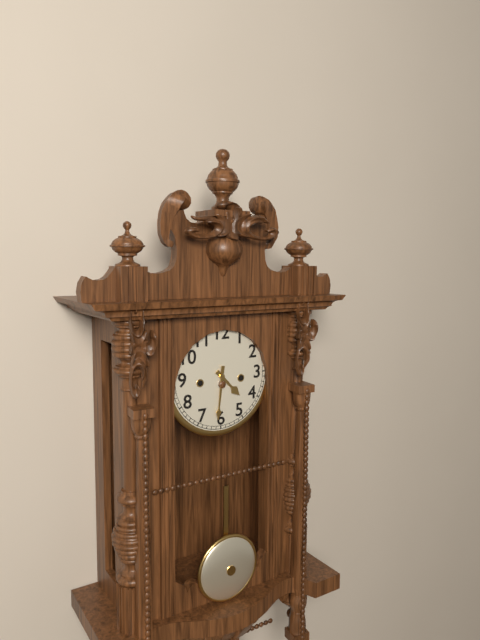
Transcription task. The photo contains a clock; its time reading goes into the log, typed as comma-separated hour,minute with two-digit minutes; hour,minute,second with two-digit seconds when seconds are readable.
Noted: 4,31
